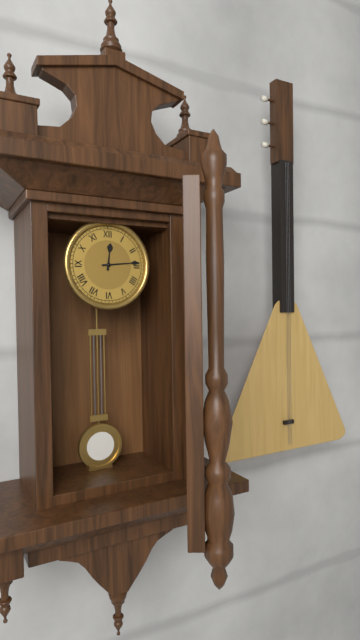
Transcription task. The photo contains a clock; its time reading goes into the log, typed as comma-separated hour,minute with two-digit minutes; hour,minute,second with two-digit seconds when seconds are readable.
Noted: 12,14
